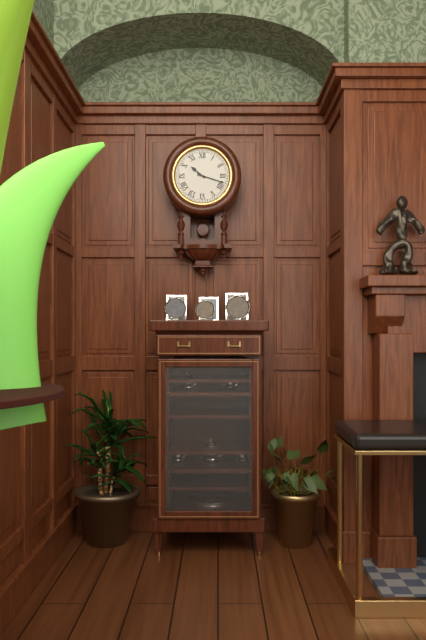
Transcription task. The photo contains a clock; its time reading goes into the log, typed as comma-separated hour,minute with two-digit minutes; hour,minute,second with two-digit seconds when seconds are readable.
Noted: 10,18
